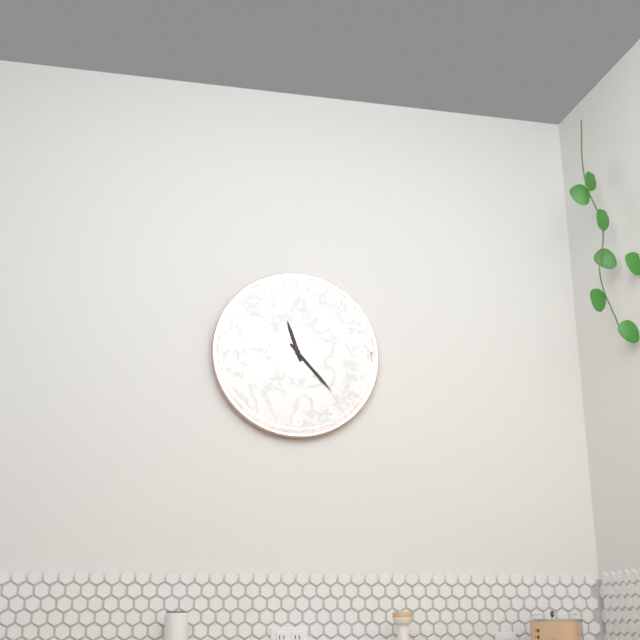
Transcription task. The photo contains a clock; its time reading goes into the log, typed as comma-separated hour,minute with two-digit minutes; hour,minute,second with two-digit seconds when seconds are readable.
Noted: 11,23
